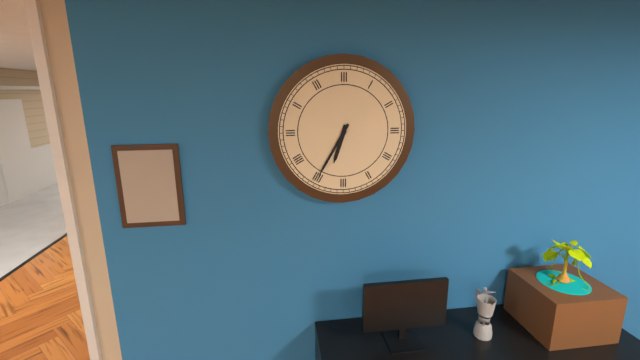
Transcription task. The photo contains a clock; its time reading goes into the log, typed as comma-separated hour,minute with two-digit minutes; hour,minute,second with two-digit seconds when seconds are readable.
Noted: 6,35
